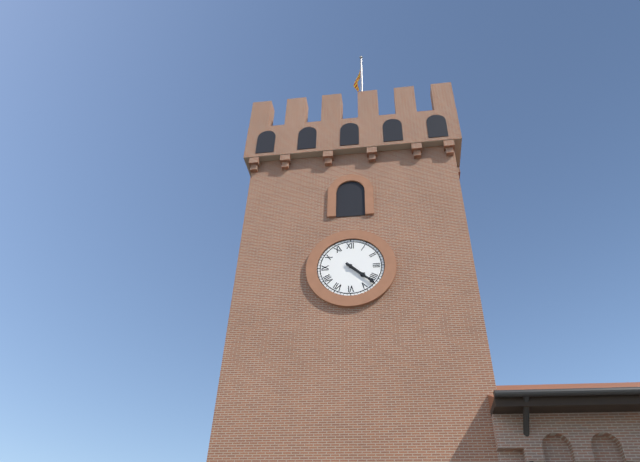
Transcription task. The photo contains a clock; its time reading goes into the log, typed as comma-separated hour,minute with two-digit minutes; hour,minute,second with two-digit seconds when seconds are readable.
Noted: 4,22
